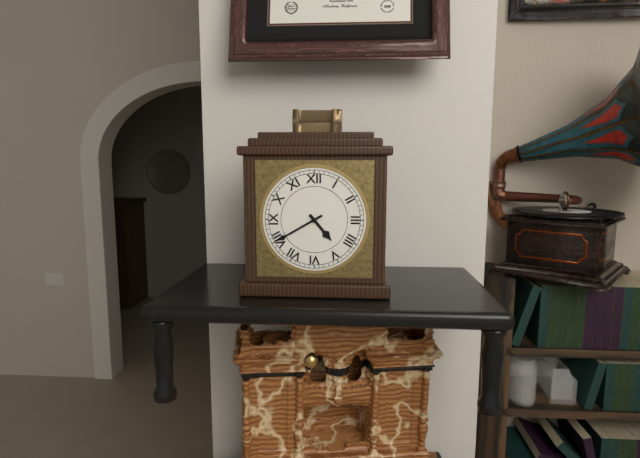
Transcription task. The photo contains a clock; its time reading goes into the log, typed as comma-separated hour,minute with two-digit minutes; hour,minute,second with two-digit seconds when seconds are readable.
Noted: 4,40
